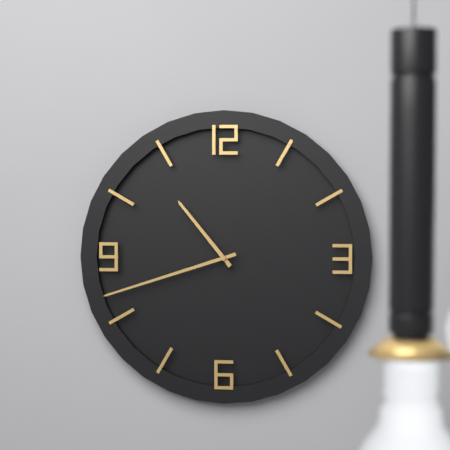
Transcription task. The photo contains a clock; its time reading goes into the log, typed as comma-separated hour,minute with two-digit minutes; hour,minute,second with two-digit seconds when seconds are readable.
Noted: 10,42
